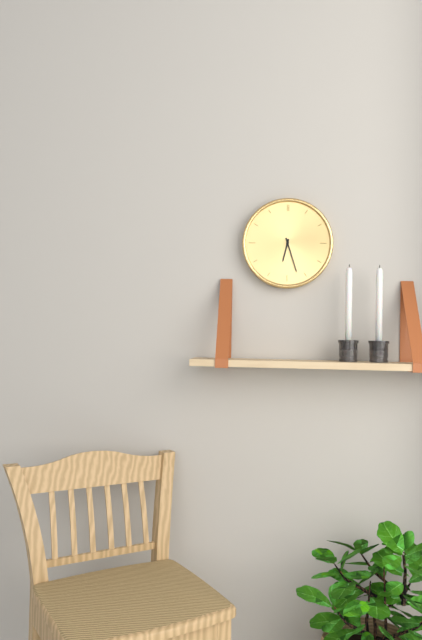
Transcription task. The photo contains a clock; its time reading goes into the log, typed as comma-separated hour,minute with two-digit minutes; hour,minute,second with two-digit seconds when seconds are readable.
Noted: 6,27
